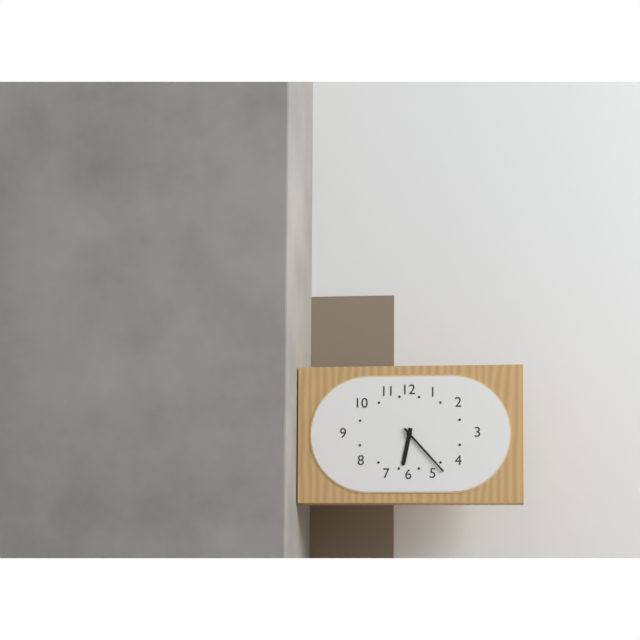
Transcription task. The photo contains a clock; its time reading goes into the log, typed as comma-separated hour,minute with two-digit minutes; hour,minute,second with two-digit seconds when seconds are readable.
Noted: 6,23
